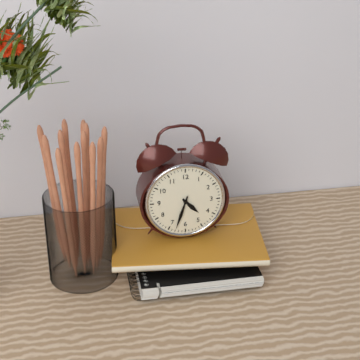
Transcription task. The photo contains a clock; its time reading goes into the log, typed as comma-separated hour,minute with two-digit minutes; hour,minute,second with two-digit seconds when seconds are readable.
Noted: 4,33
